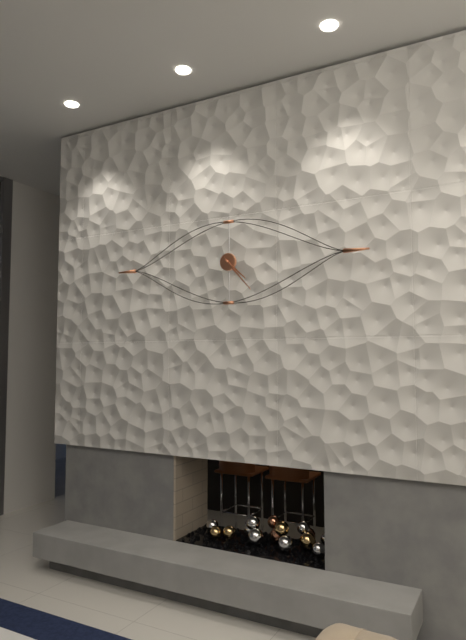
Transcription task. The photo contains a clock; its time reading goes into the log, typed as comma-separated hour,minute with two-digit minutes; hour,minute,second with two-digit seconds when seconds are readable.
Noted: 4,23
